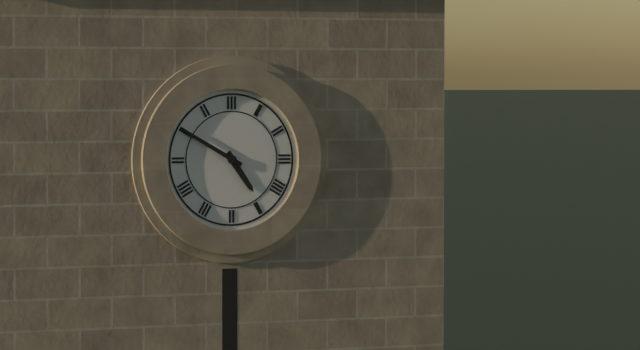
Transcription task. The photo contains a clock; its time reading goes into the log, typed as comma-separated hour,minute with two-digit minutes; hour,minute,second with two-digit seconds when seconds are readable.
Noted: 4,50
